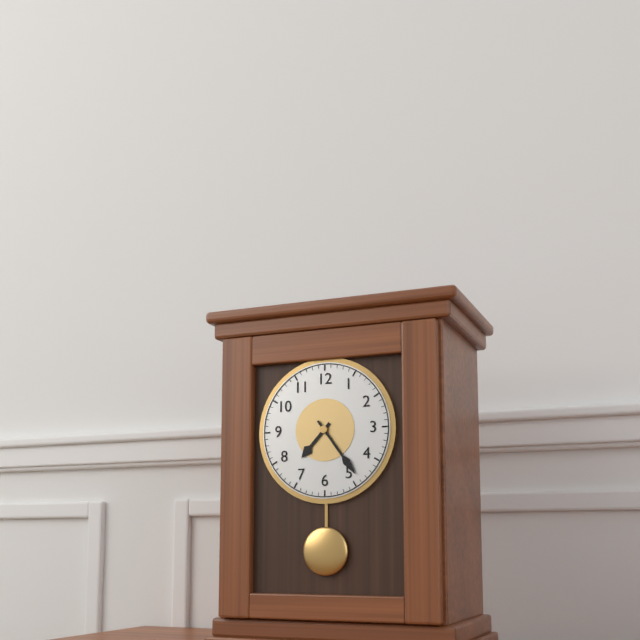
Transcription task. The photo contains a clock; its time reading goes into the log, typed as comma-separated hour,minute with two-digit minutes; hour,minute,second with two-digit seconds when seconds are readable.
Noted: 7,24
